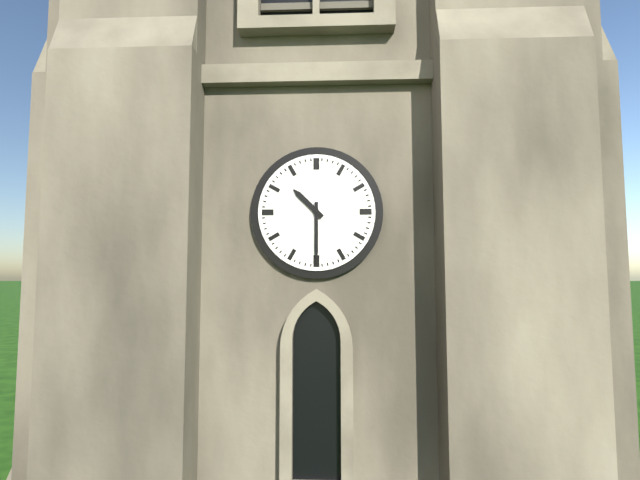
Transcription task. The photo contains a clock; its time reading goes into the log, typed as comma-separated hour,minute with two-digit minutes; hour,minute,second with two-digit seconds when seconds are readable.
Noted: 10,30
